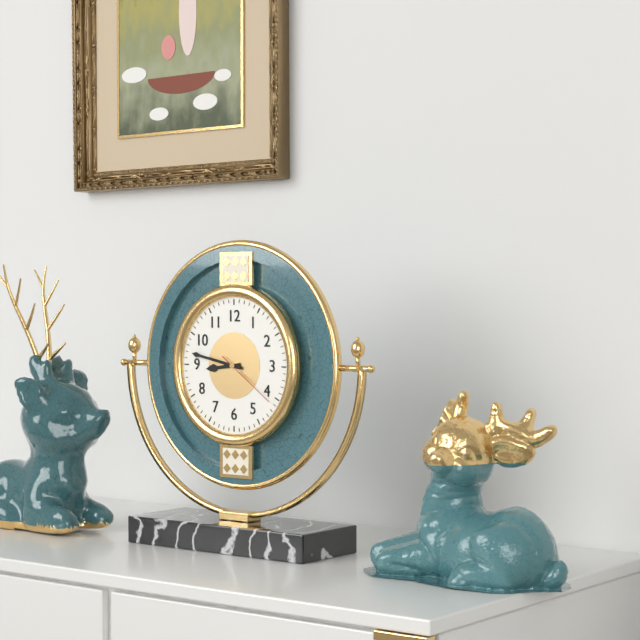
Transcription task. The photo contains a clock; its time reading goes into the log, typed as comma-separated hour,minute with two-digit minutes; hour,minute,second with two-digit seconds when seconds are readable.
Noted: 8,47,21
